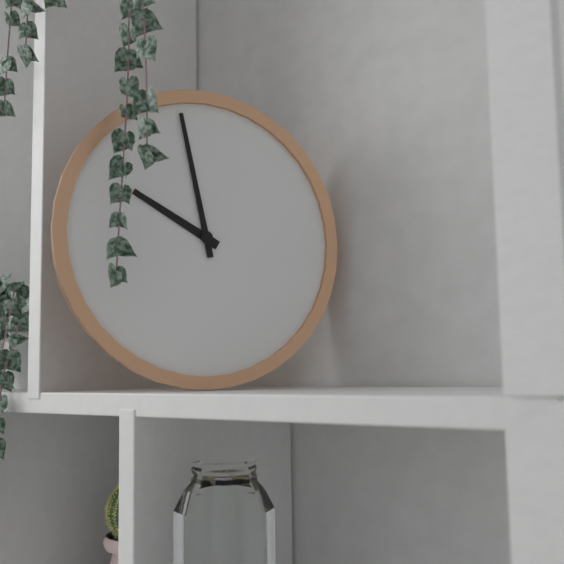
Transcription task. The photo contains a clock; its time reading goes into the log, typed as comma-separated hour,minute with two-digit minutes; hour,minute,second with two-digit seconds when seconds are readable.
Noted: 9,58
